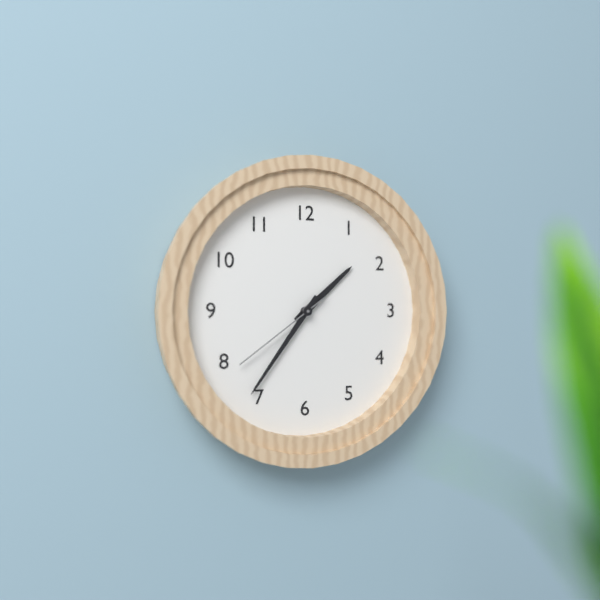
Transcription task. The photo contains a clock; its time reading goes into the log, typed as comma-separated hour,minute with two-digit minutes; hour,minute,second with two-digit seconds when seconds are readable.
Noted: 1,36,39
